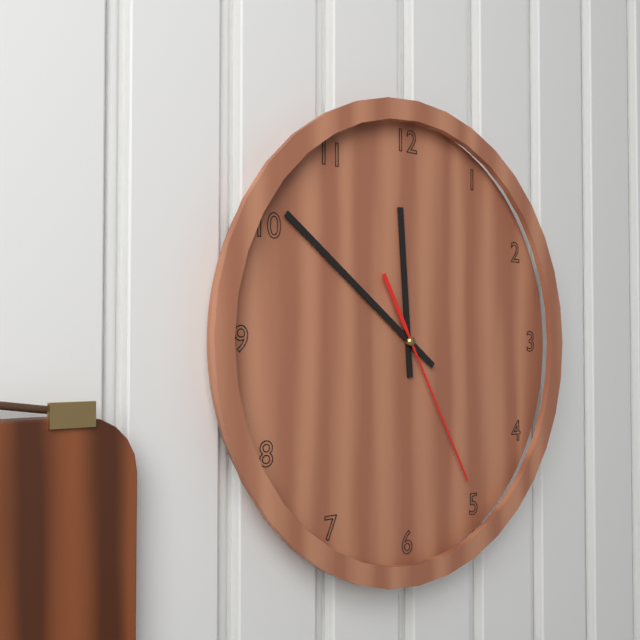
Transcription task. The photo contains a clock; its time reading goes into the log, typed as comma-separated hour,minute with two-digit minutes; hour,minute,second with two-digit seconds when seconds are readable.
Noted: 11,51,25
